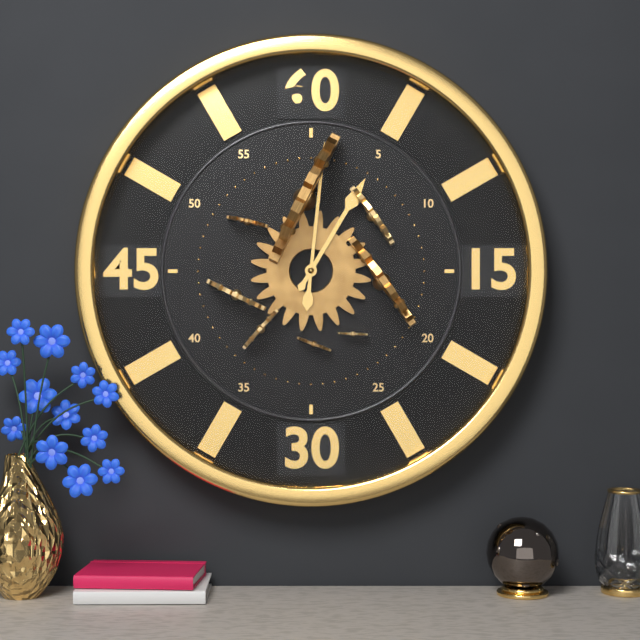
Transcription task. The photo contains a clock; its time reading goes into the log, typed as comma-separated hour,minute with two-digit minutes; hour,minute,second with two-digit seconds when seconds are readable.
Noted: 1,01
